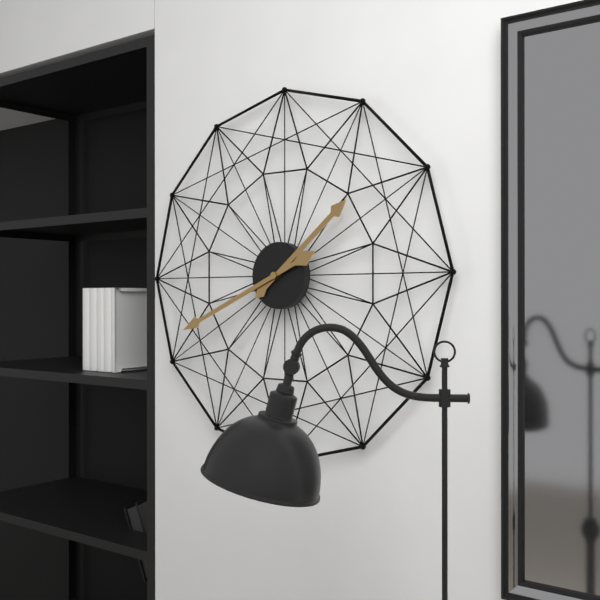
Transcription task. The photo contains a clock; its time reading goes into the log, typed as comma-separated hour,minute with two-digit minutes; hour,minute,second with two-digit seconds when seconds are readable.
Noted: 1,41
